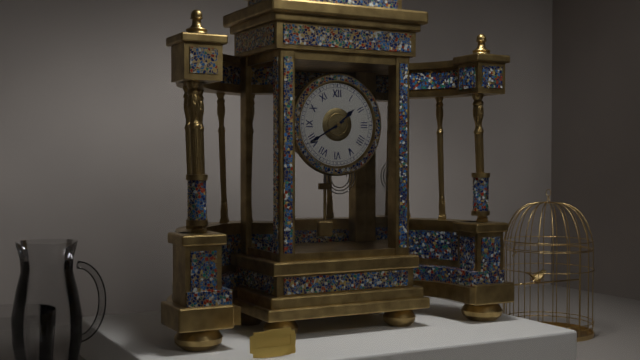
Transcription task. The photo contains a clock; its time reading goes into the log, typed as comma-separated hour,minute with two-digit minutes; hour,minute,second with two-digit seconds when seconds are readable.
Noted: 1,40
